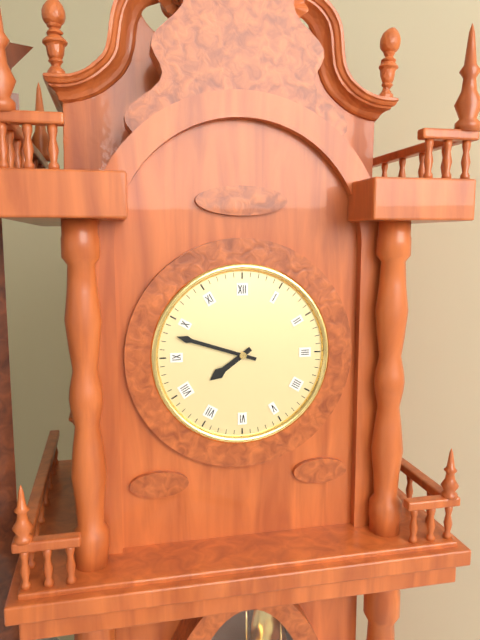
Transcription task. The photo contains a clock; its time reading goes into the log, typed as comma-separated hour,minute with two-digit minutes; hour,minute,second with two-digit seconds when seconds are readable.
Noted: 7,48
